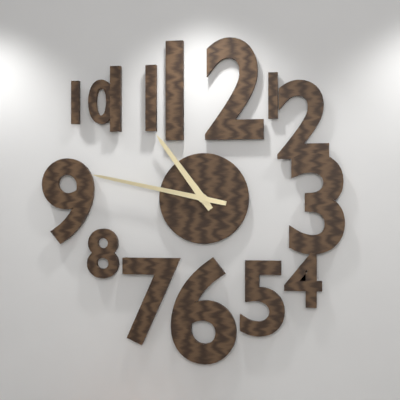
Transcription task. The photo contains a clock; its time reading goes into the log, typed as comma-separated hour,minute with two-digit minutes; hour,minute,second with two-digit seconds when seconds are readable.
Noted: 10,47
